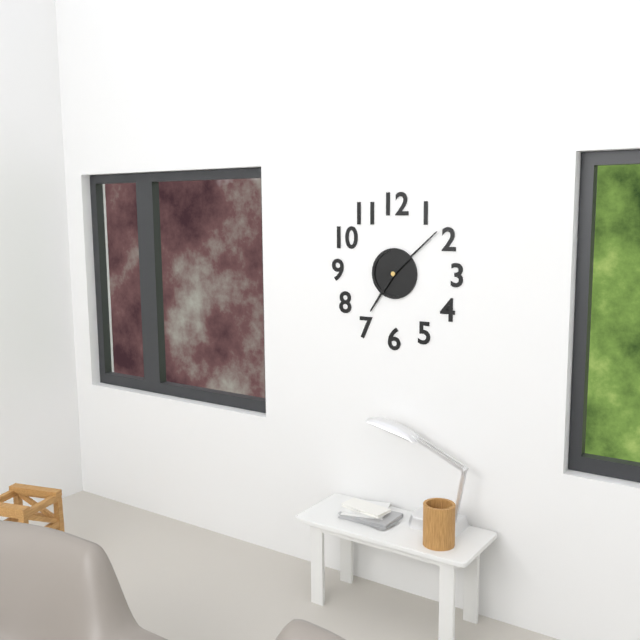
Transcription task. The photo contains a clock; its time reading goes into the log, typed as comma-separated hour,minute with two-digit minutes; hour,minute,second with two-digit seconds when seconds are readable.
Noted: 7,08
